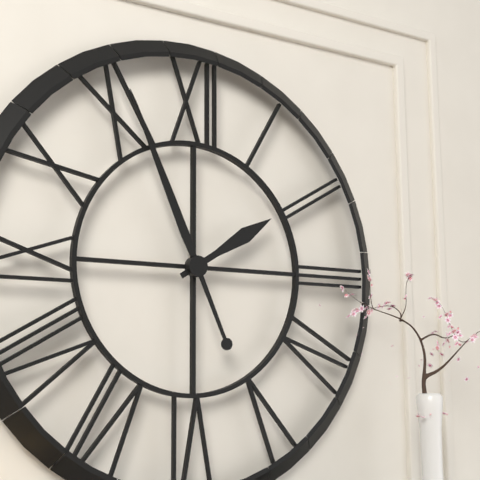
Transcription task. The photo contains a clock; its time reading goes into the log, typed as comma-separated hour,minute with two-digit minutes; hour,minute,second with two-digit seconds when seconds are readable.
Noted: 1,56
